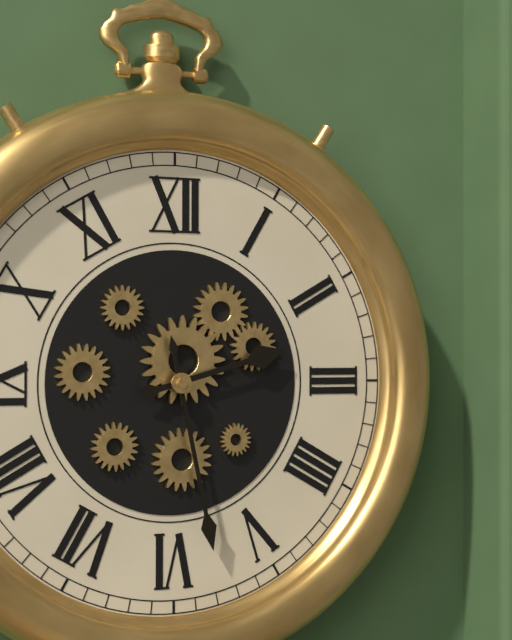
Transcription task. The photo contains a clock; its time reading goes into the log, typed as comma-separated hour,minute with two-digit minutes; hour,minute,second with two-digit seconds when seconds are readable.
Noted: 2,28
